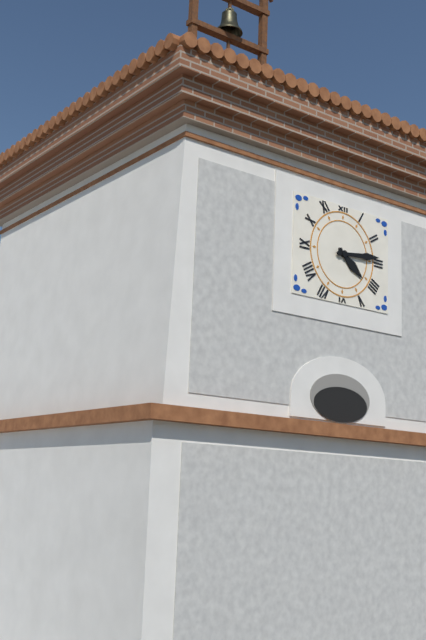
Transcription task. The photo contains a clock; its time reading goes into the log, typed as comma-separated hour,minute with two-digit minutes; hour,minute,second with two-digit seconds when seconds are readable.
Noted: 4,14
